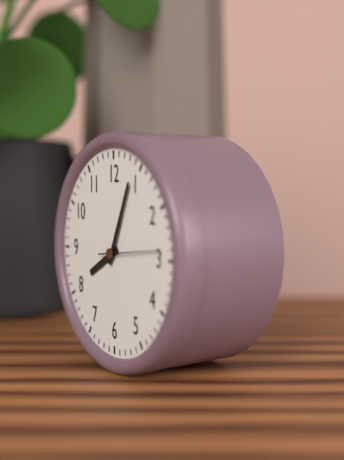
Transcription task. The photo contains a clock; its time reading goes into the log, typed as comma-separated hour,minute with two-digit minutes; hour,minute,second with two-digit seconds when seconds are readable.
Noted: 8,04,14
